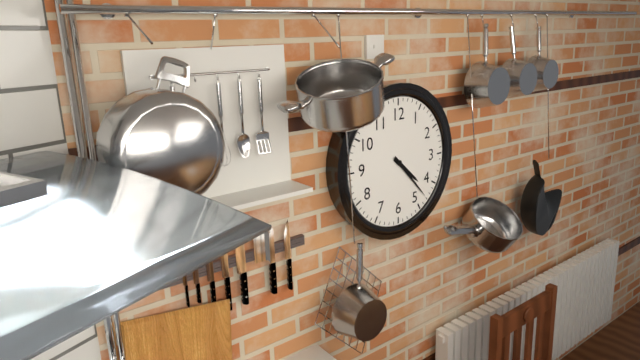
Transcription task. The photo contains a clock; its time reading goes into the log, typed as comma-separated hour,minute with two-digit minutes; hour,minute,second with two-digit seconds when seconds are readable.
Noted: 4,23
